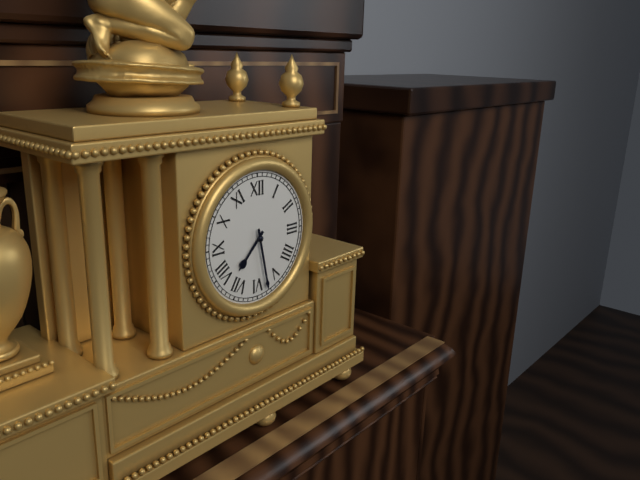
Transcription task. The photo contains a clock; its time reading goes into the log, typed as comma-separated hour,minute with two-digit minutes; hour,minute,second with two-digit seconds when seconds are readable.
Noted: 7,28
